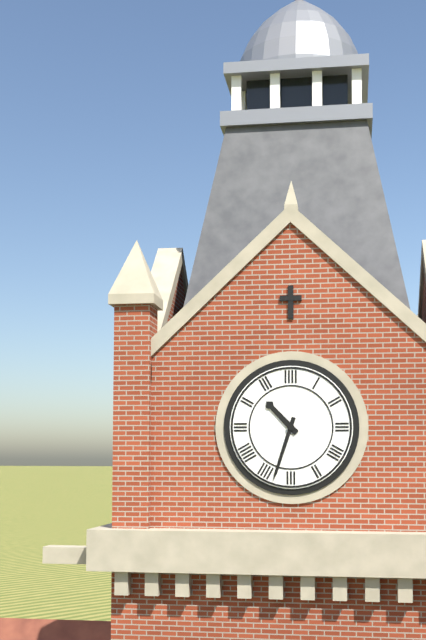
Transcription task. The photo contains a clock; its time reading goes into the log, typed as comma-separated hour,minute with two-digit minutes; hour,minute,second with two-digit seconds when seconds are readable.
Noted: 10,33
